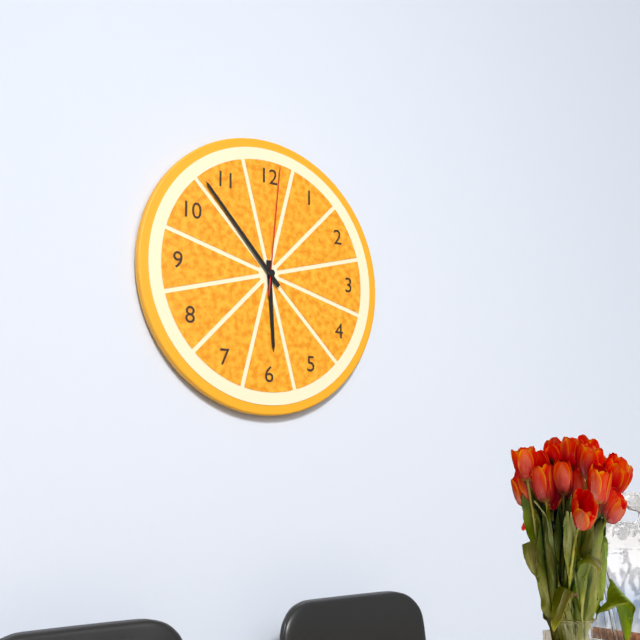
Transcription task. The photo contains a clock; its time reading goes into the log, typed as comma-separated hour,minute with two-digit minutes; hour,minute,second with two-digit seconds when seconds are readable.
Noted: 5,53,01
